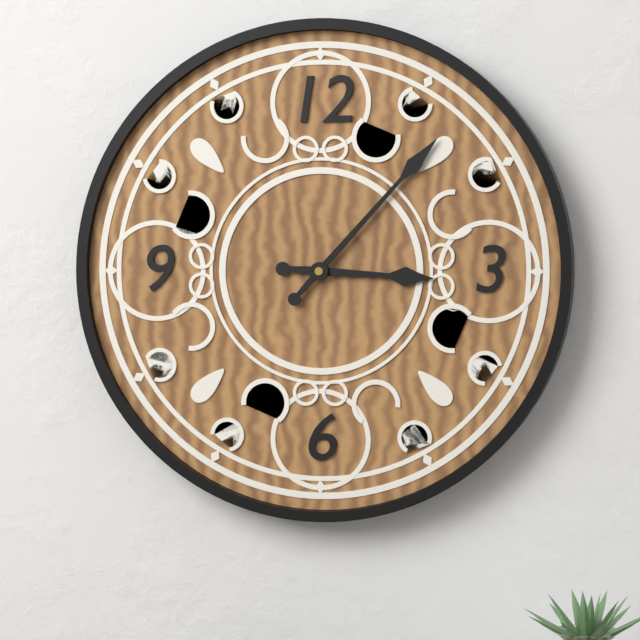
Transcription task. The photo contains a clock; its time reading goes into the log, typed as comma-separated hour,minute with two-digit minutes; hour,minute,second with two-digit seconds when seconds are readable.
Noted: 3,07
